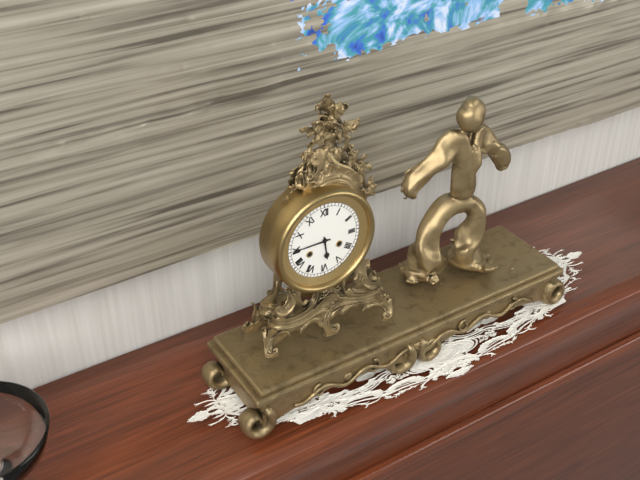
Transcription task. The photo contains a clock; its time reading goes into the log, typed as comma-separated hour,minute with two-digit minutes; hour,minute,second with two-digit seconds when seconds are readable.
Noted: 5,45
